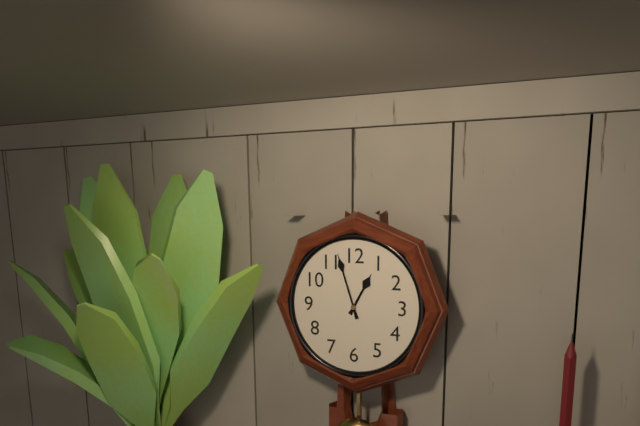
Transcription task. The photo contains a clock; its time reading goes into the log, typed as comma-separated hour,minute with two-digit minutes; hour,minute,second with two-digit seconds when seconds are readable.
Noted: 12,57
